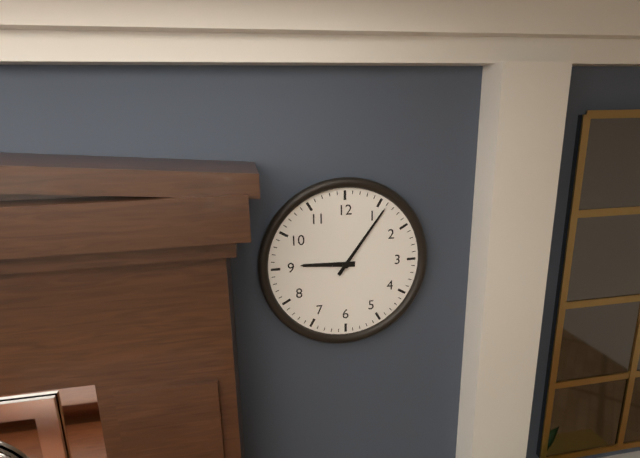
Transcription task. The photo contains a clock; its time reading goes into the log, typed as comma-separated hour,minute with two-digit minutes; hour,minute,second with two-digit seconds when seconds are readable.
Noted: 9,06
